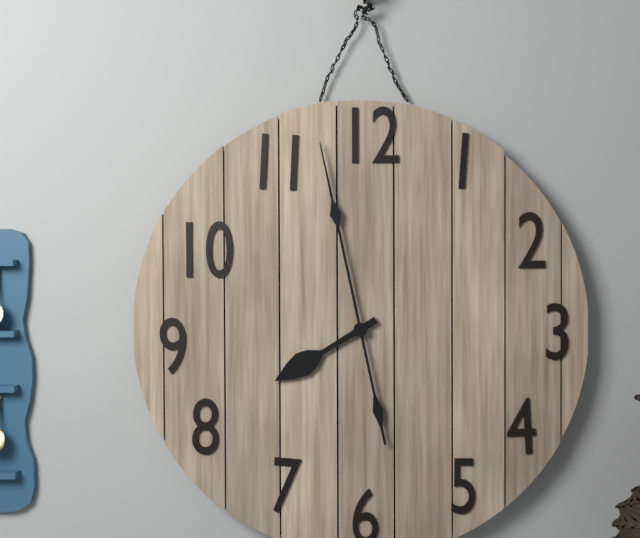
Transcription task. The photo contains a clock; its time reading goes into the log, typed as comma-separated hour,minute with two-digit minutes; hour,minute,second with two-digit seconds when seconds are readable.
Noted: 7,58
